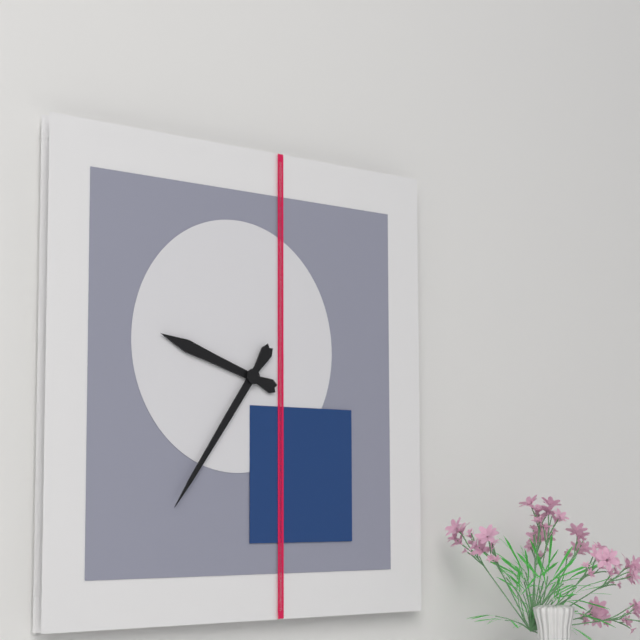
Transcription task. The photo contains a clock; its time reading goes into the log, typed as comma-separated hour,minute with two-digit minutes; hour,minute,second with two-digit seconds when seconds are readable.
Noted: 9,36
